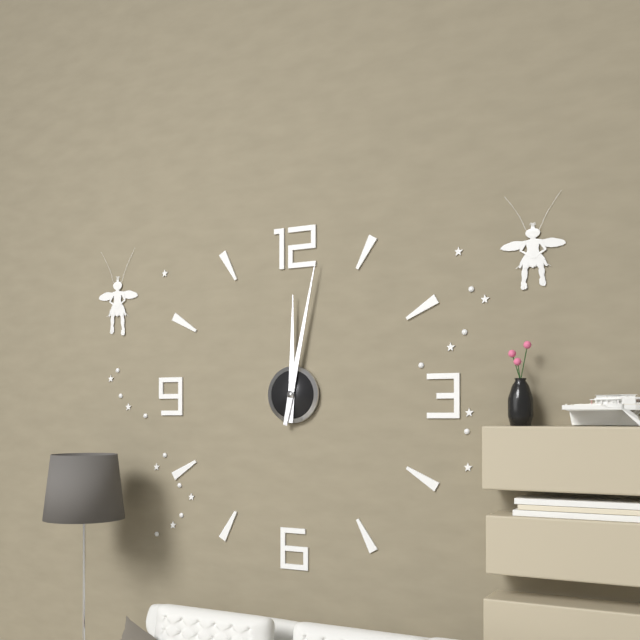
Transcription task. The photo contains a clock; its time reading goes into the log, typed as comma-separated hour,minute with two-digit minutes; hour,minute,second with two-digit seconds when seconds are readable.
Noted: 12,02
